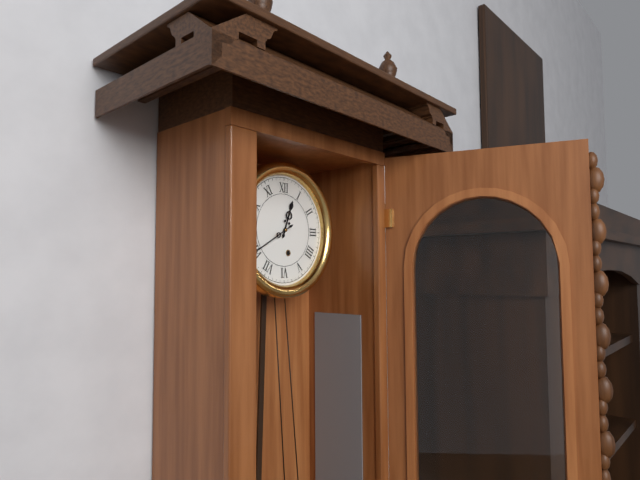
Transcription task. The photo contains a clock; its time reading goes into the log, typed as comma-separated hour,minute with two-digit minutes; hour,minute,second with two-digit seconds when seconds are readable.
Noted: 12,40
